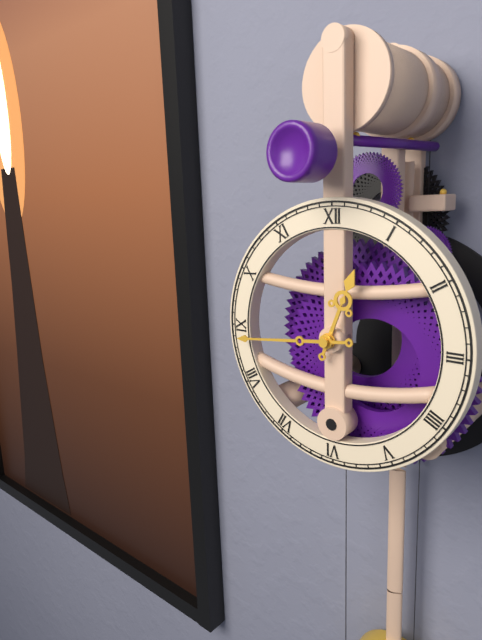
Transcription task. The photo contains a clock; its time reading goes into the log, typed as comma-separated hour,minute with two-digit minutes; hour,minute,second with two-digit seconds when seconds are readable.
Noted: 12,44
